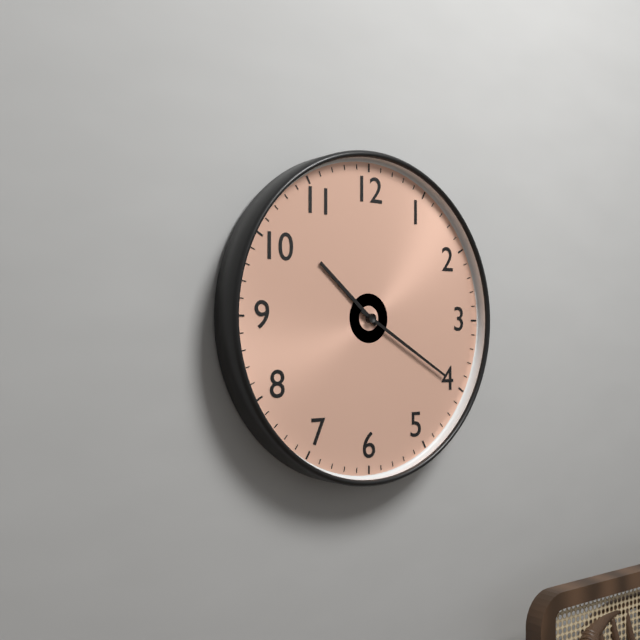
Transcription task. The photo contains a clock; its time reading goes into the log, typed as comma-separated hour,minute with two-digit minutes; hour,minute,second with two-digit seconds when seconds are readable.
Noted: 10,20
